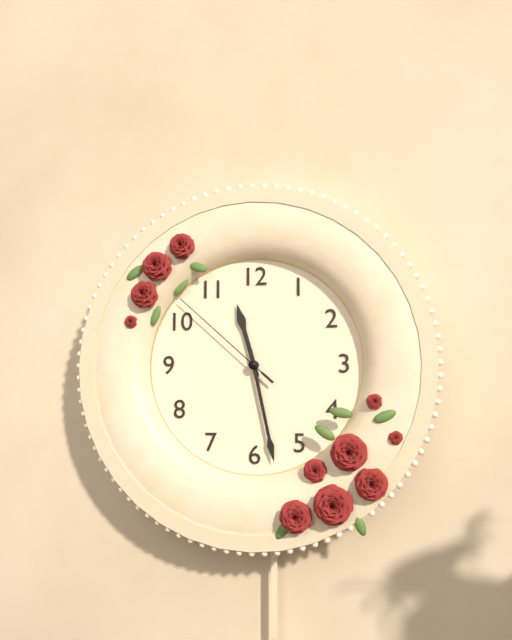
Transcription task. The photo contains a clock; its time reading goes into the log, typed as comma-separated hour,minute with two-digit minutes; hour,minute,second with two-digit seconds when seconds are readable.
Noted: 11,28,52
